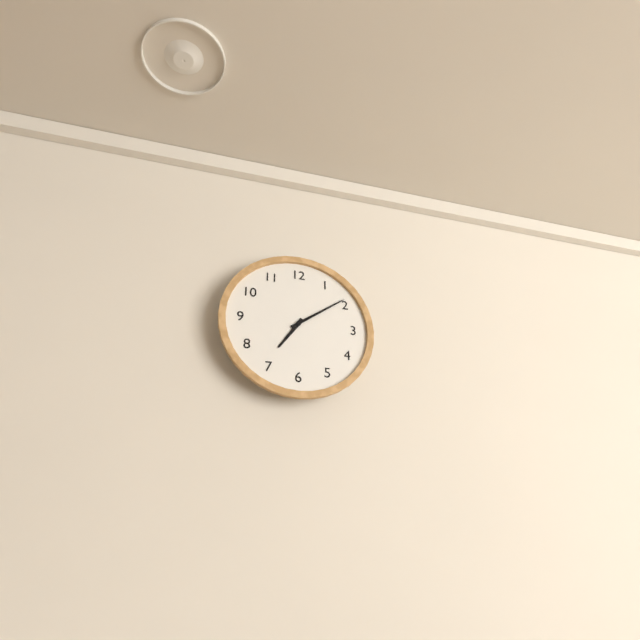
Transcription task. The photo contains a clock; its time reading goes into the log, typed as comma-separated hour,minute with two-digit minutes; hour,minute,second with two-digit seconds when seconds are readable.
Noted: 7,09
